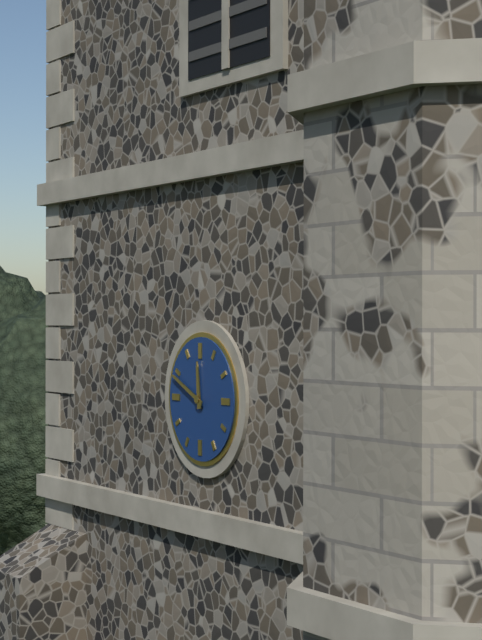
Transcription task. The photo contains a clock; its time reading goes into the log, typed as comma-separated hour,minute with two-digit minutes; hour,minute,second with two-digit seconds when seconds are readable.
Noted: 11,49
